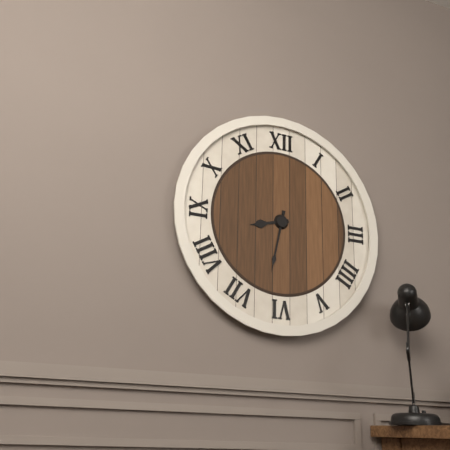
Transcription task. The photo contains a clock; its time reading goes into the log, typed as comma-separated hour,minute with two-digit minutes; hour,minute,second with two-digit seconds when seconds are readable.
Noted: 8,32
